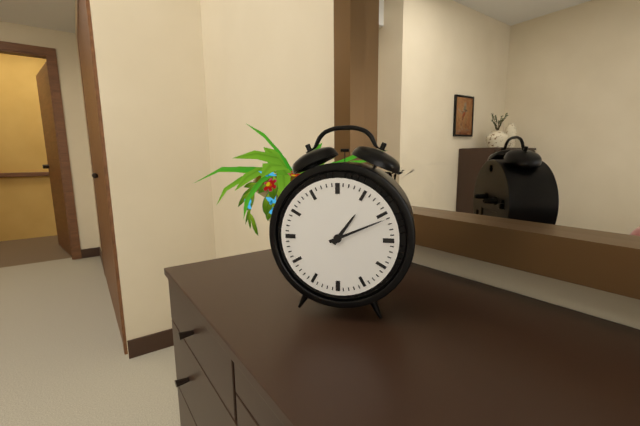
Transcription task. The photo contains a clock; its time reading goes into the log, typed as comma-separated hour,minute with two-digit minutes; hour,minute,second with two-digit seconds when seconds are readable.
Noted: 1,11
